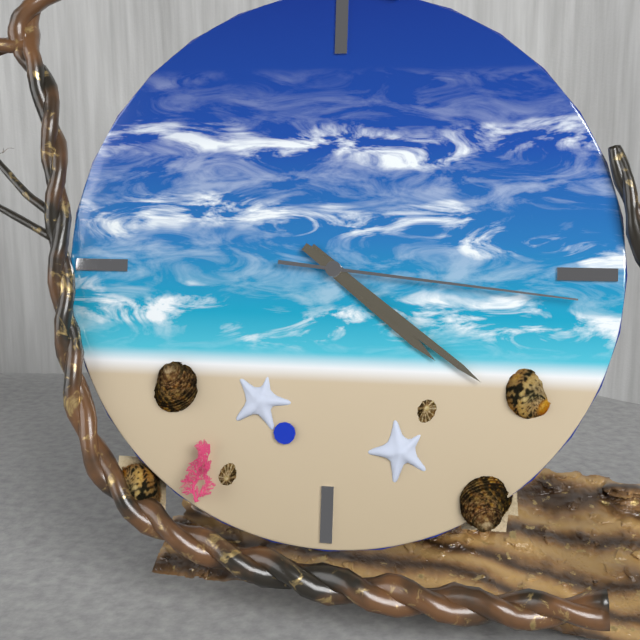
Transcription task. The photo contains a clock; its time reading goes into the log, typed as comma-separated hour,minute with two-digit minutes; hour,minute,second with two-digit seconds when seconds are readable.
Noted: 4,21,16
